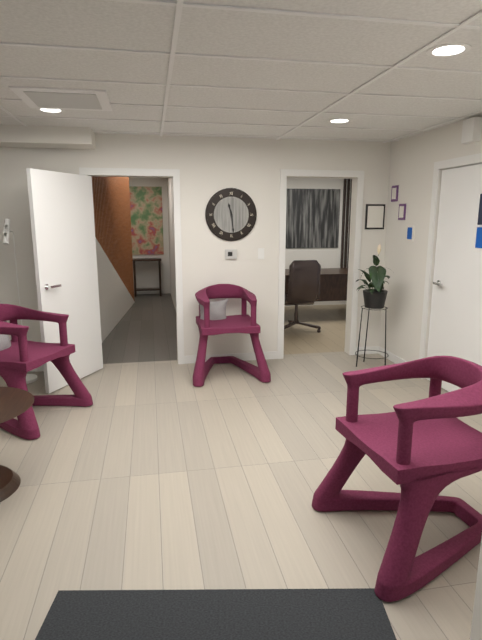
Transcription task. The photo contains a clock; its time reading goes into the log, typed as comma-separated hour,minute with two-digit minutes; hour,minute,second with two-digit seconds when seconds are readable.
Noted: 11,29
